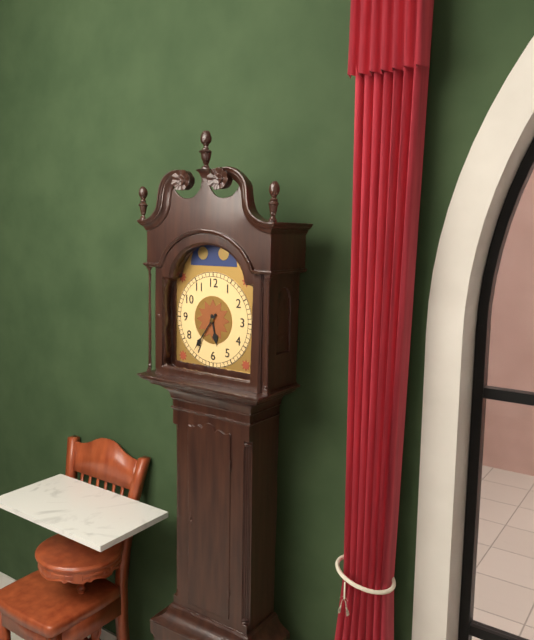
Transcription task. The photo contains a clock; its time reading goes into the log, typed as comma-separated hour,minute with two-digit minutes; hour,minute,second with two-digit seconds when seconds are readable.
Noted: 5,36
